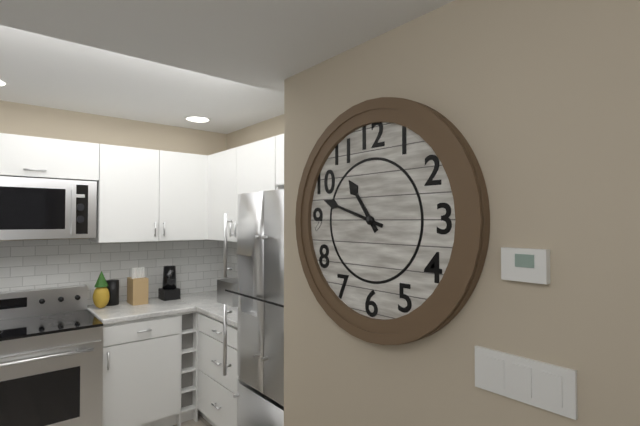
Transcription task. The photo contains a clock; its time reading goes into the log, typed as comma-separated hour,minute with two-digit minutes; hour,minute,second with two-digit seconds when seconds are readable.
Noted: 10,48
